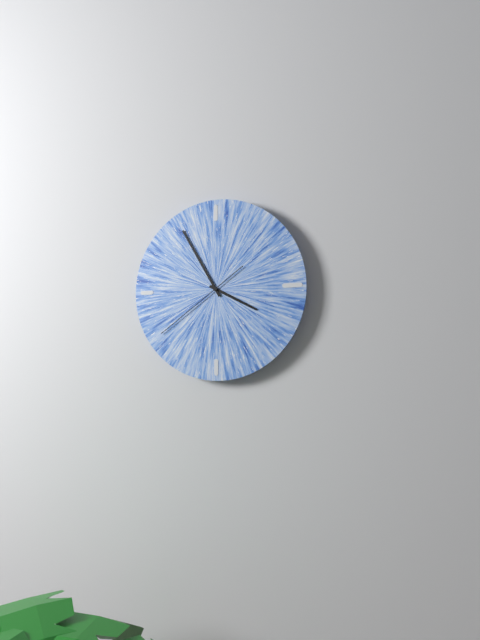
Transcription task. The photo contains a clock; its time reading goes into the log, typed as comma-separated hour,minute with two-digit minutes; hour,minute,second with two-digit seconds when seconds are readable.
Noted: 3,55,39
